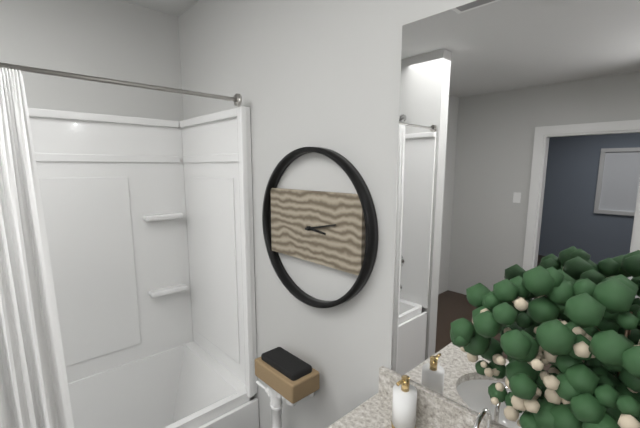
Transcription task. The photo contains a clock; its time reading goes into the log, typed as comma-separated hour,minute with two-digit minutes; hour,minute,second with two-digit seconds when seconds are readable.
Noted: 3,13
